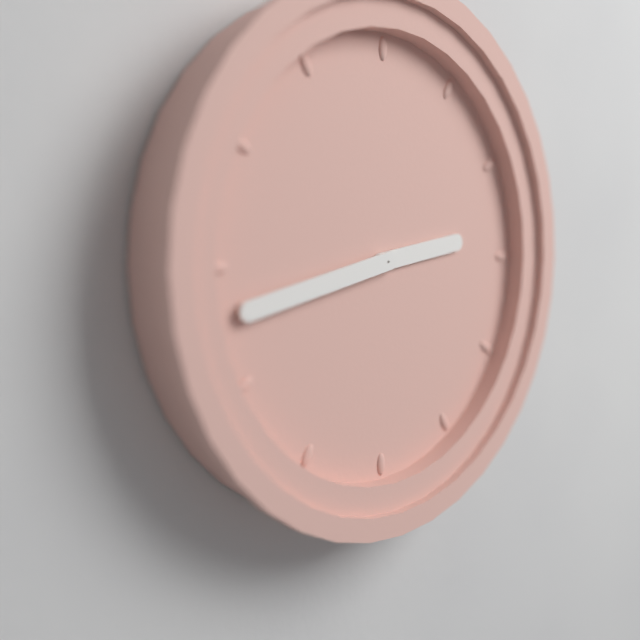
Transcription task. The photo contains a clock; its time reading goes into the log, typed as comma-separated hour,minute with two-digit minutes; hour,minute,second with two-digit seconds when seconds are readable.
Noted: 2,43
